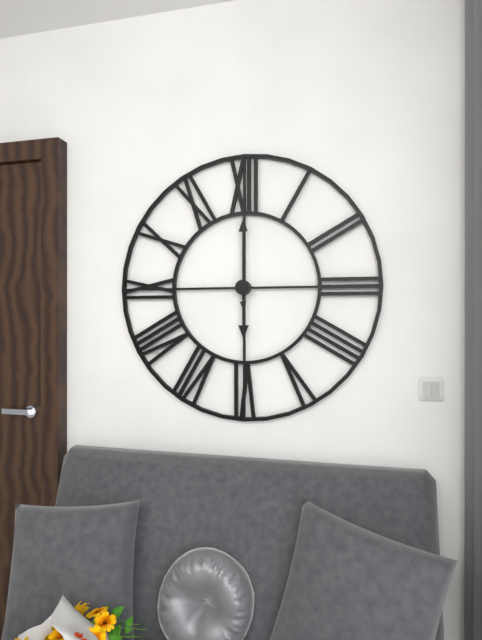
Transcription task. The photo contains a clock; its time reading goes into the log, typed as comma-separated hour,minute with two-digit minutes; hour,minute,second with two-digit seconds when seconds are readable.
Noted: 6,00
